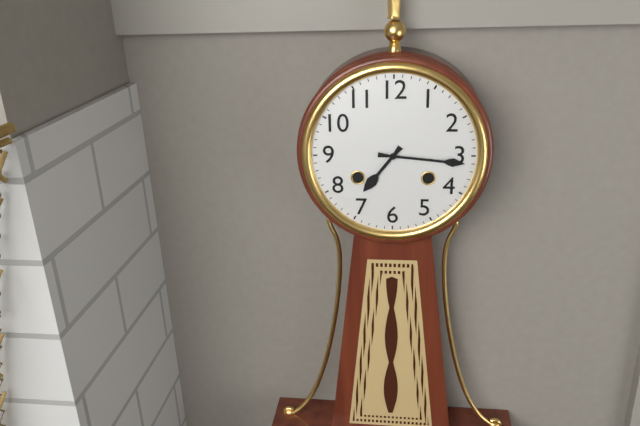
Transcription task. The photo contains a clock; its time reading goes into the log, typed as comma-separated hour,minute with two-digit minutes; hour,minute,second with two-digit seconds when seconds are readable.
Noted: 7,16
